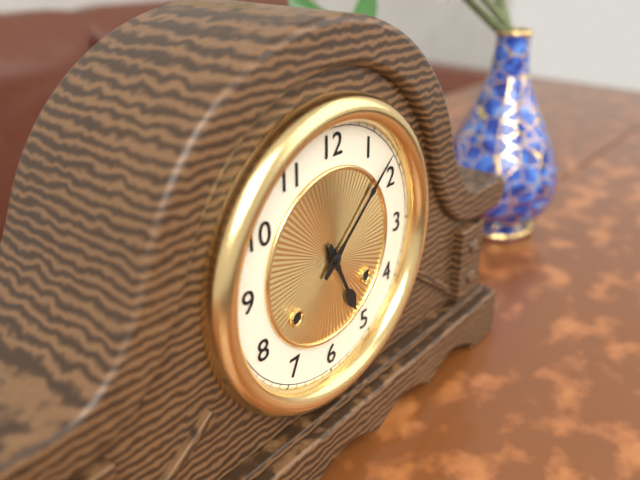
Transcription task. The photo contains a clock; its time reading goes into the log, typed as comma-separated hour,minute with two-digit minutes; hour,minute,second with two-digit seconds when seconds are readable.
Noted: 5,08
